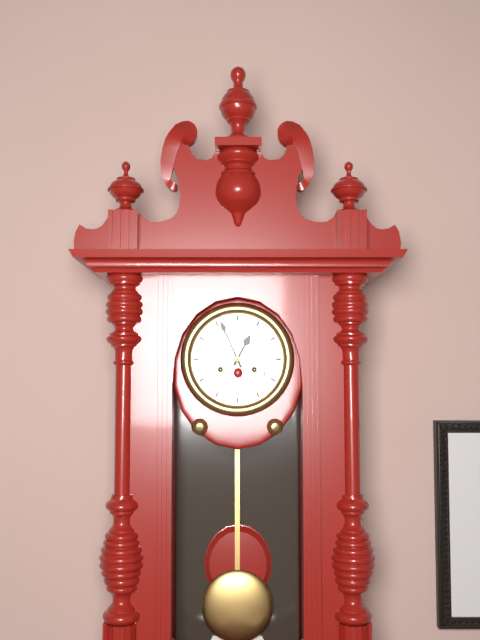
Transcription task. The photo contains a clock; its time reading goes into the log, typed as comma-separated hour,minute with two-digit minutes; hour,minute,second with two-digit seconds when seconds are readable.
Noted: 12,56
